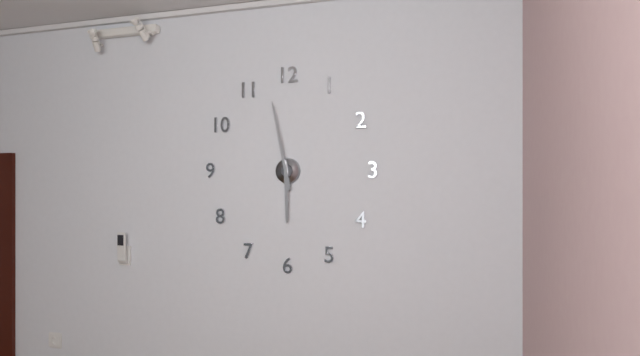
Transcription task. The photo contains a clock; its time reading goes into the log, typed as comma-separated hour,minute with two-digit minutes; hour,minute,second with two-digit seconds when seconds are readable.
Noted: 5,58
